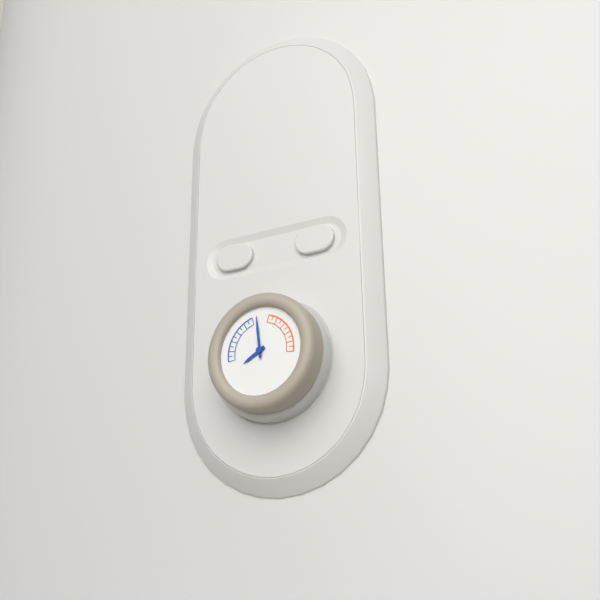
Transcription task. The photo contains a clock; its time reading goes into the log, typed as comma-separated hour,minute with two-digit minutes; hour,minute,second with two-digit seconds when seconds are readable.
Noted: 7,59
